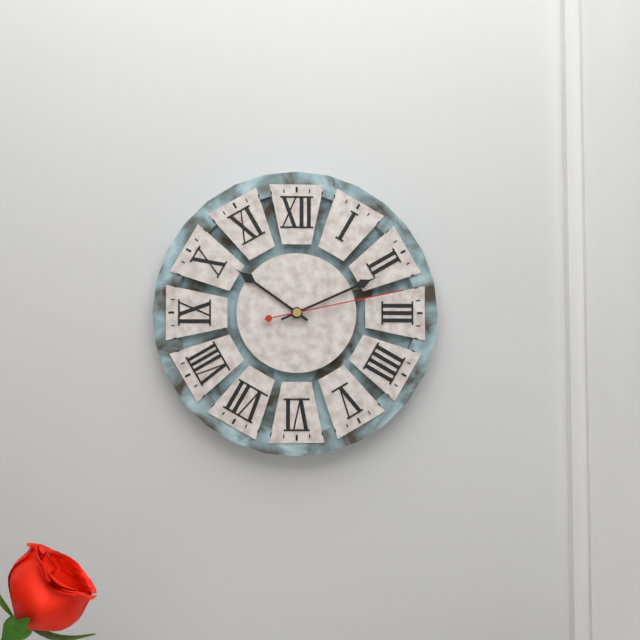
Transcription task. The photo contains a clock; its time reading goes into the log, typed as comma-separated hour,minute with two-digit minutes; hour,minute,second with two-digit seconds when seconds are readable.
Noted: 10,11,13
